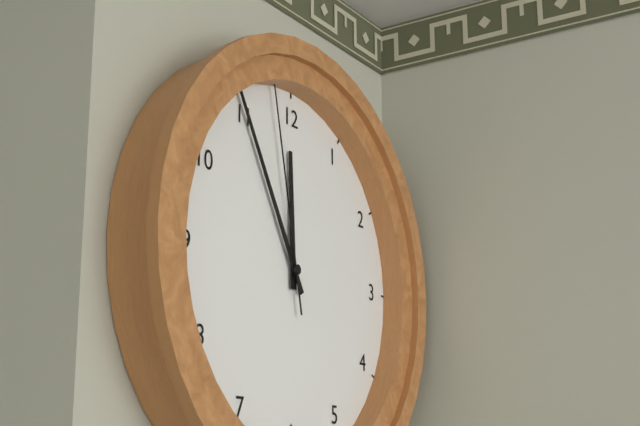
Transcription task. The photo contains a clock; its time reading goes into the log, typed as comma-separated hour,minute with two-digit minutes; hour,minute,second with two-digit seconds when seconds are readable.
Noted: 11,55,58
